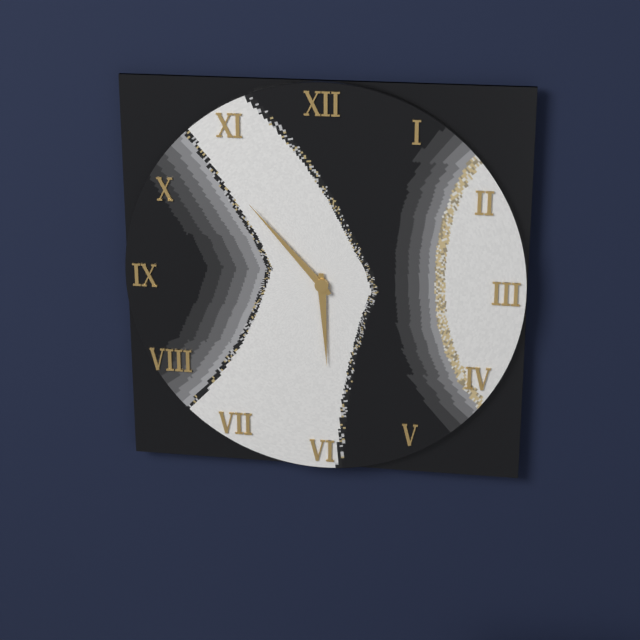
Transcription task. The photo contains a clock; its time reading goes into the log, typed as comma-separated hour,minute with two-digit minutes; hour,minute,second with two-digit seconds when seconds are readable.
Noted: 5,53
